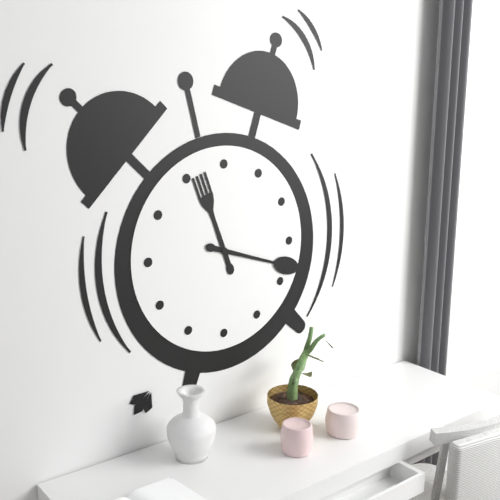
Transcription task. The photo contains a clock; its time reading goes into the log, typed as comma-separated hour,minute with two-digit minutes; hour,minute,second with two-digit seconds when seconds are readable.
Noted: 11,18
